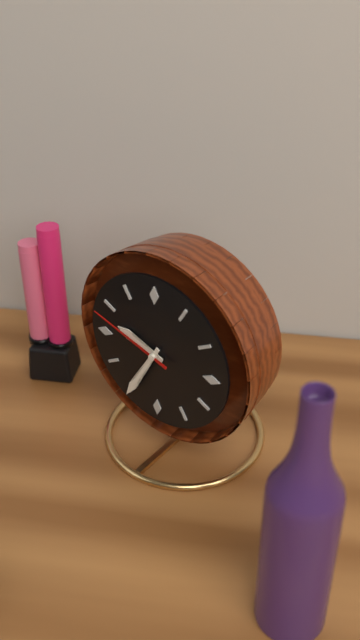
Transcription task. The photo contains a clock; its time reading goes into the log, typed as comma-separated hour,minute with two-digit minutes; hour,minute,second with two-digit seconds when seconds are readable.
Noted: 9,35,48
